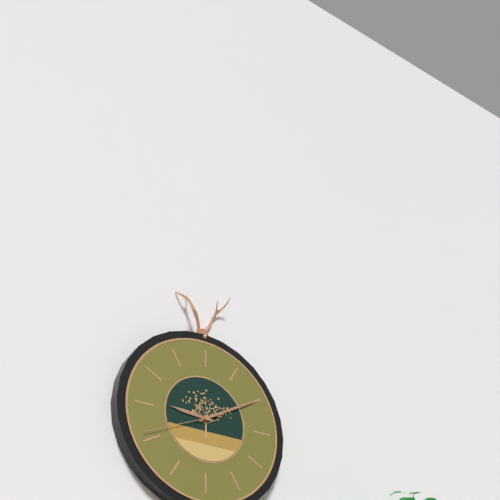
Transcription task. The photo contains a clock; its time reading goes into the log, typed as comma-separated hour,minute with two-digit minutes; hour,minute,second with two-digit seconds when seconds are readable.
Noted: 9,10,41
